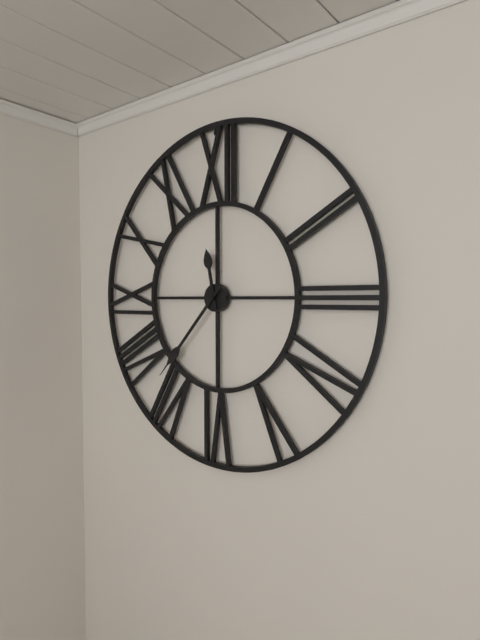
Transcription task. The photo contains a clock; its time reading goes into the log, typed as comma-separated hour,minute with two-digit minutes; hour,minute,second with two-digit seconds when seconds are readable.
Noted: 11,37
